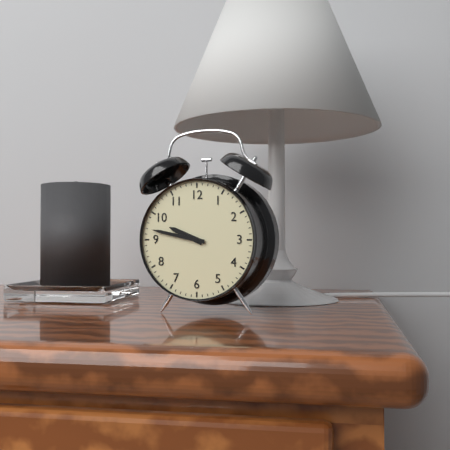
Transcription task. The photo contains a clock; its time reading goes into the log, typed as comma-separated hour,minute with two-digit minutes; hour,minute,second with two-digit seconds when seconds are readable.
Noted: 9,47
